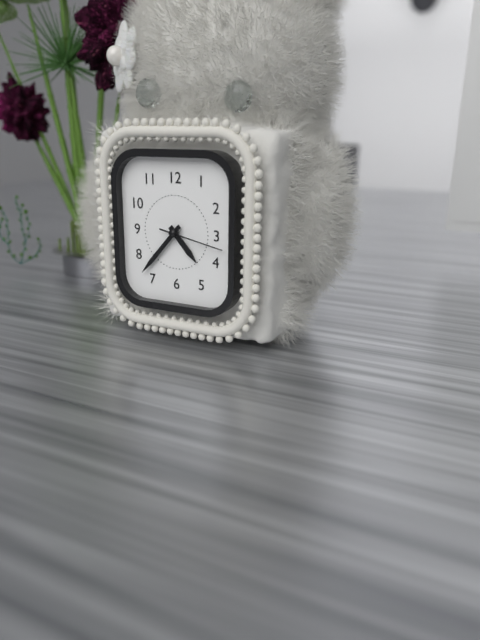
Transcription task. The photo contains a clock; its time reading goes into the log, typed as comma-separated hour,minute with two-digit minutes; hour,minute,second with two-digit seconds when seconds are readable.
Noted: 4,37,17
